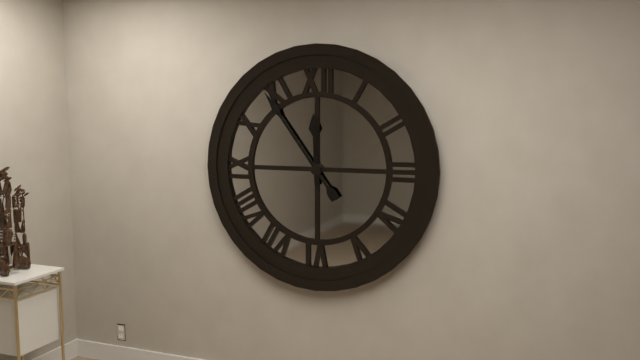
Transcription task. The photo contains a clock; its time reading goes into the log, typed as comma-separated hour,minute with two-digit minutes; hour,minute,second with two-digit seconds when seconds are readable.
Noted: 11,54
